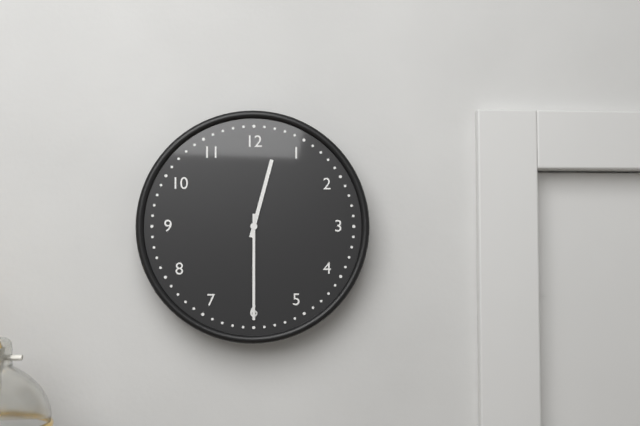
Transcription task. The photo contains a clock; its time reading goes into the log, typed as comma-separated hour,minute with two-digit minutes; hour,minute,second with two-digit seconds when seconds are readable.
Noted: 12,30
